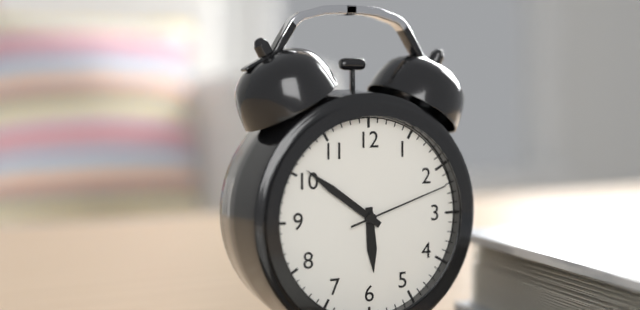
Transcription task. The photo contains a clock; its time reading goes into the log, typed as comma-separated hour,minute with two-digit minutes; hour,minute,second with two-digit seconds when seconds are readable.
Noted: 5,51,12
